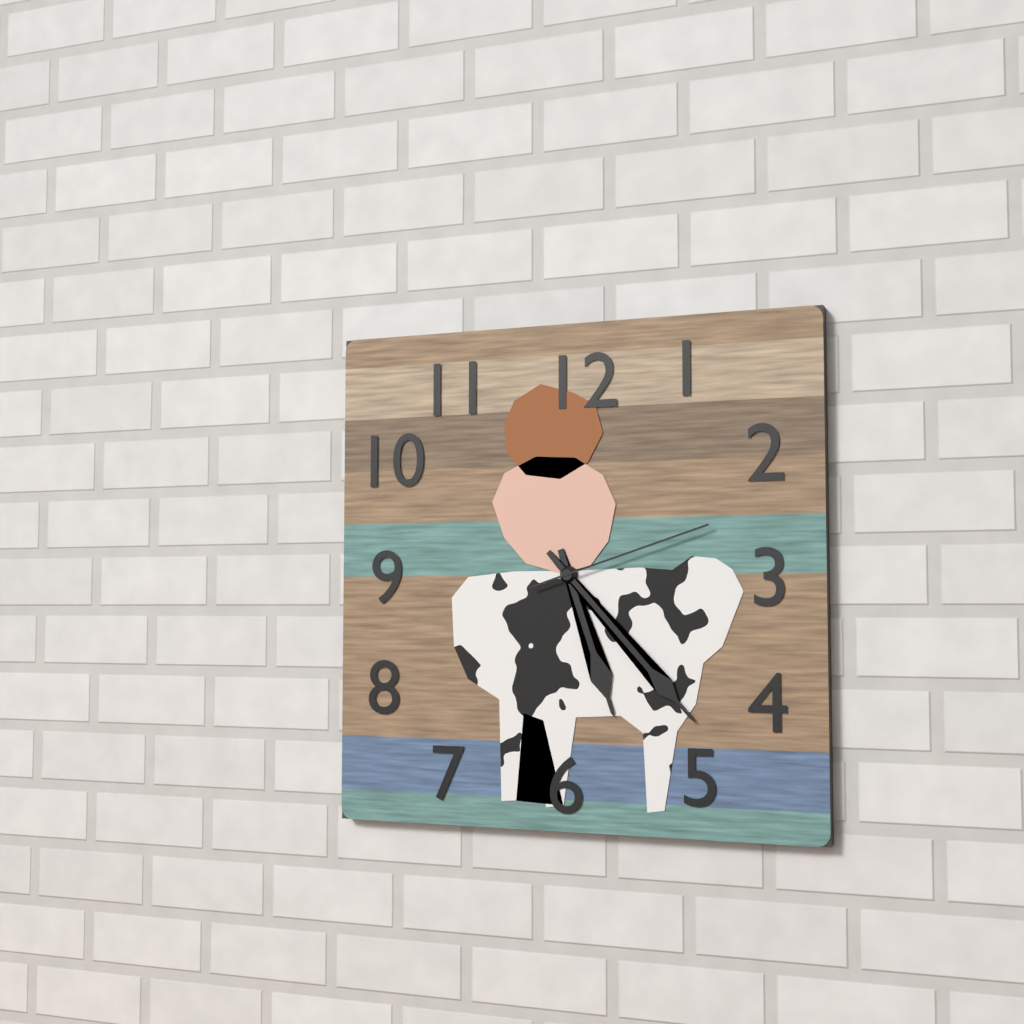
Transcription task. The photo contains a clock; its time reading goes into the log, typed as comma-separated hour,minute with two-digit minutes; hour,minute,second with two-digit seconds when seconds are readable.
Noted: 5,23,12
